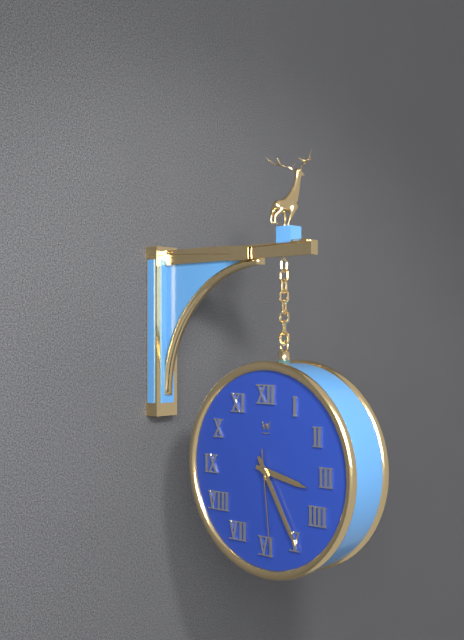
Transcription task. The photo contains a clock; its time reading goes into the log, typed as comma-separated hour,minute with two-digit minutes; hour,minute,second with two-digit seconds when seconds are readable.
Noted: 3,25,29
